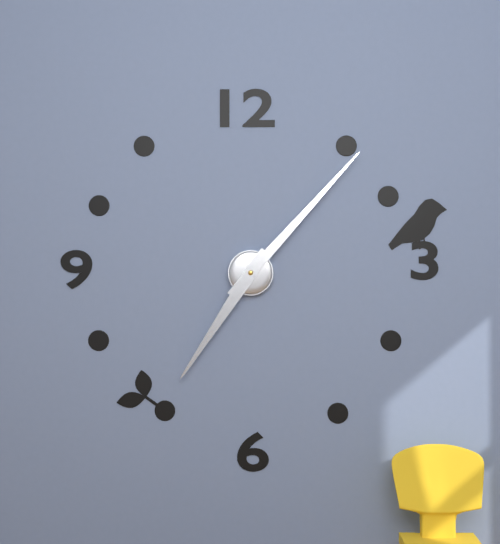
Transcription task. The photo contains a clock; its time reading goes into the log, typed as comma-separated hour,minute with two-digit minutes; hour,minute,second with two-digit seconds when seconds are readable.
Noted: 7,07
